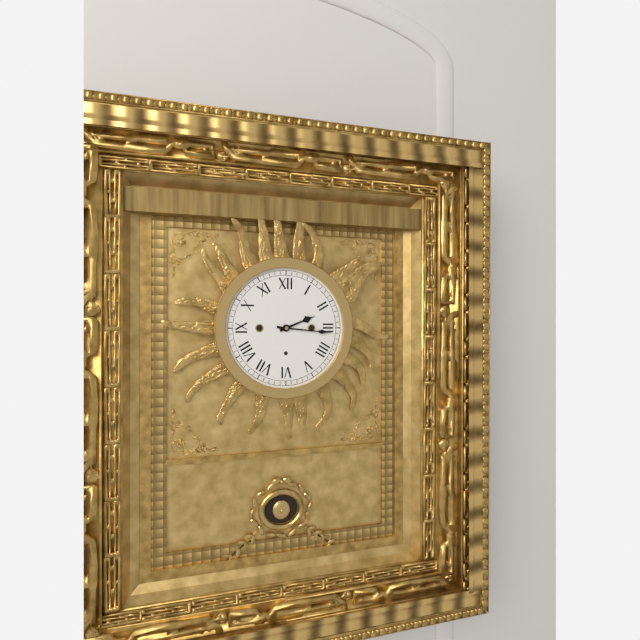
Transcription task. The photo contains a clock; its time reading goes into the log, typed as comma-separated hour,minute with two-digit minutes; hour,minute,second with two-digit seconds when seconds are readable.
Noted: 2,16
